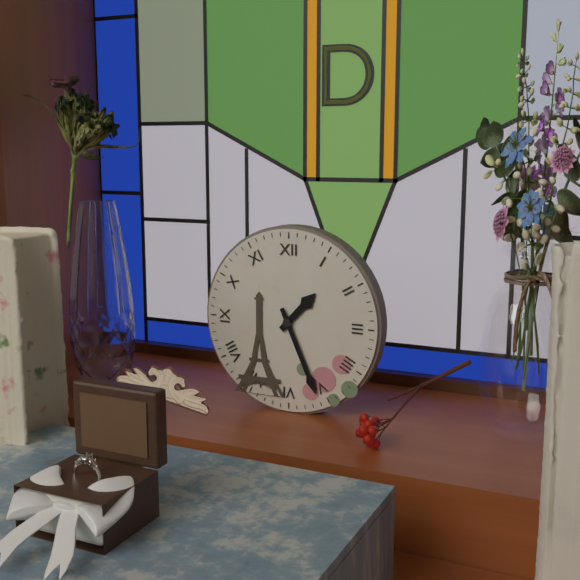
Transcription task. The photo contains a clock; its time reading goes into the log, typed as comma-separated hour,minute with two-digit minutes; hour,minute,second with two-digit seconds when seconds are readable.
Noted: 1,26
